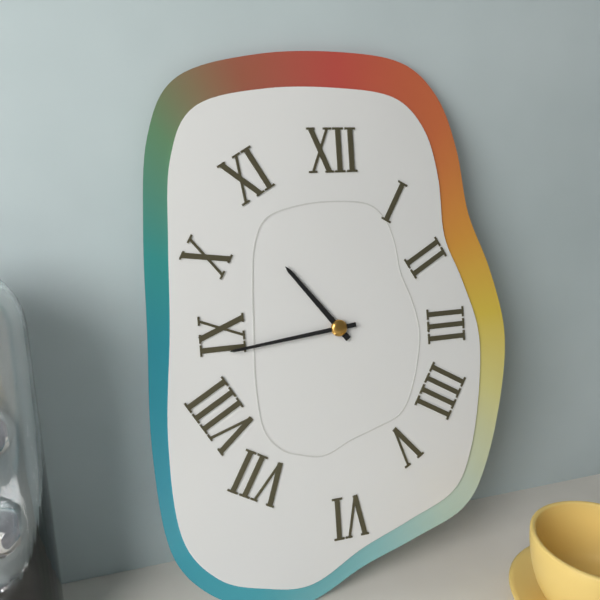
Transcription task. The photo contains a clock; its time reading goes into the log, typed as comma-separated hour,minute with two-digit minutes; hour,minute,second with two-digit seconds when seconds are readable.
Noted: 10,44
